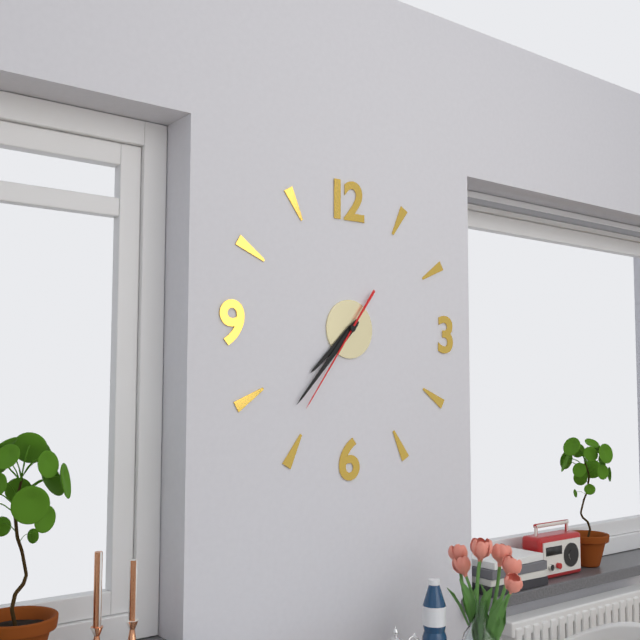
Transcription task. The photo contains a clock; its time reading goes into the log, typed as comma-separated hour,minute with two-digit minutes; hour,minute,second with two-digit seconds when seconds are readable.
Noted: 7,37,36
